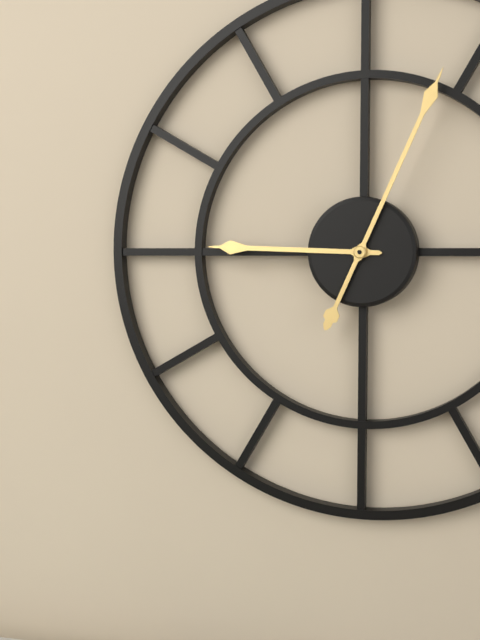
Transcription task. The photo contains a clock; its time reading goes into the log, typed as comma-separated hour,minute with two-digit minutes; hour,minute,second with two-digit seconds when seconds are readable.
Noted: 9,04
